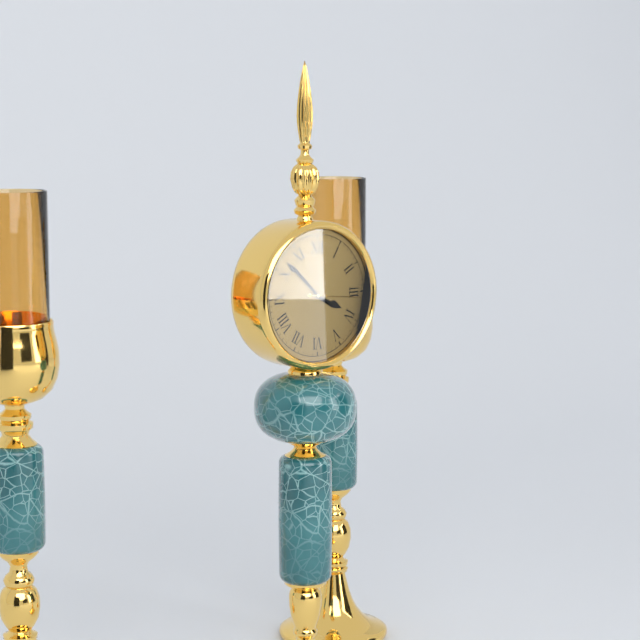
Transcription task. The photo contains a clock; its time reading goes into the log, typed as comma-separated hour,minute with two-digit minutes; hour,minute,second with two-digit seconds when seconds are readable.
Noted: 3,52,16
